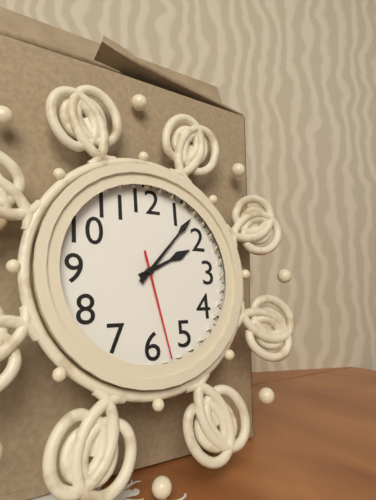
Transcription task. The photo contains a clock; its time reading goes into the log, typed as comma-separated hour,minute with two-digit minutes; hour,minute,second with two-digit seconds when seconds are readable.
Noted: 2,07,28
